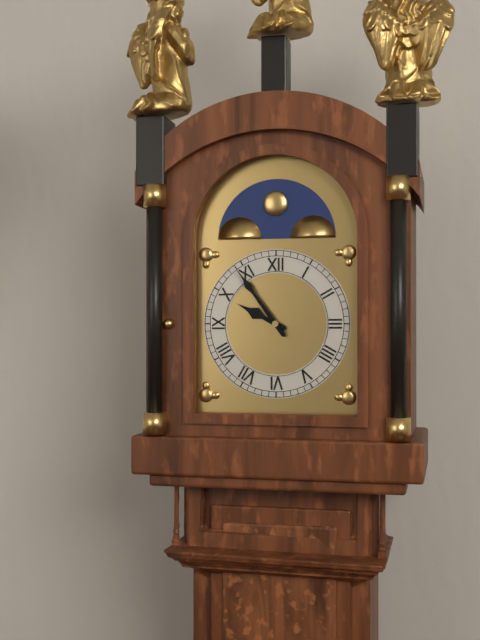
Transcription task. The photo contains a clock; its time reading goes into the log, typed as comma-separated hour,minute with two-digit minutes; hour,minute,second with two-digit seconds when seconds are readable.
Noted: 9,54
